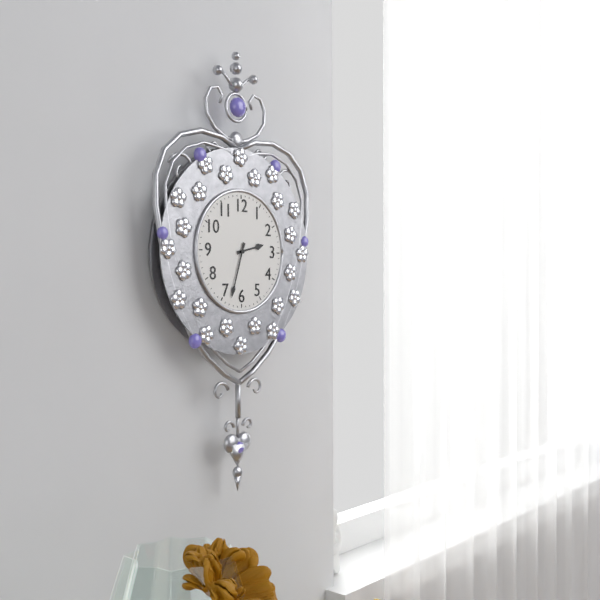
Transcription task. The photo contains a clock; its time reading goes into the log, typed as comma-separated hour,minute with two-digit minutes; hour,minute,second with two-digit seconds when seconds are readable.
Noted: 2,33
